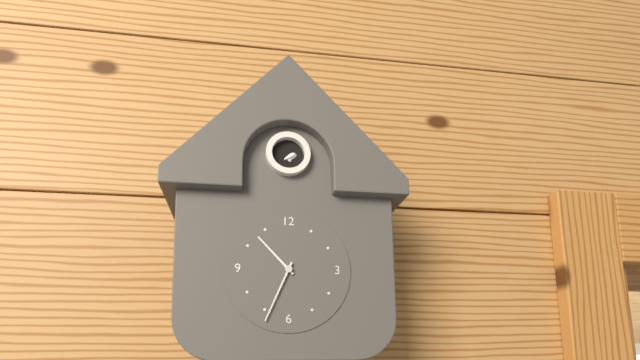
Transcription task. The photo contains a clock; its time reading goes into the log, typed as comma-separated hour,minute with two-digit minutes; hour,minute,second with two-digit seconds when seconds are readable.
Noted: 10,34
